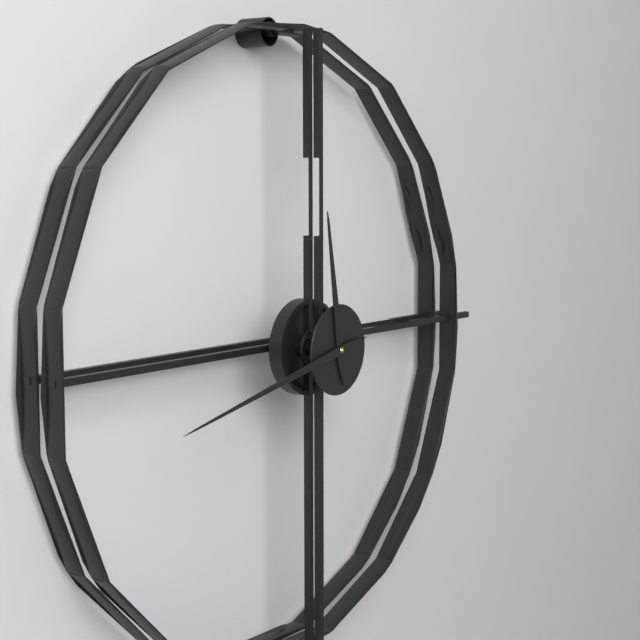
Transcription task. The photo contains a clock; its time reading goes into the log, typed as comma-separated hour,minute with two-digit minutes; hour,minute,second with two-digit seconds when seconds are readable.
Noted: 11,43
